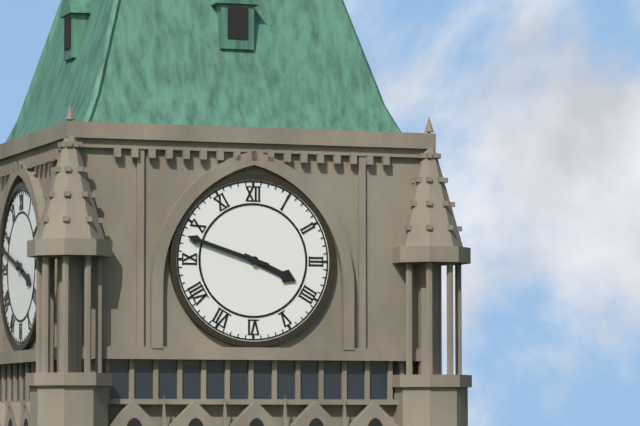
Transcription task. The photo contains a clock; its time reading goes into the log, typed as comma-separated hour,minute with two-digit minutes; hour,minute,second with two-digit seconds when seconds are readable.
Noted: 3,48
